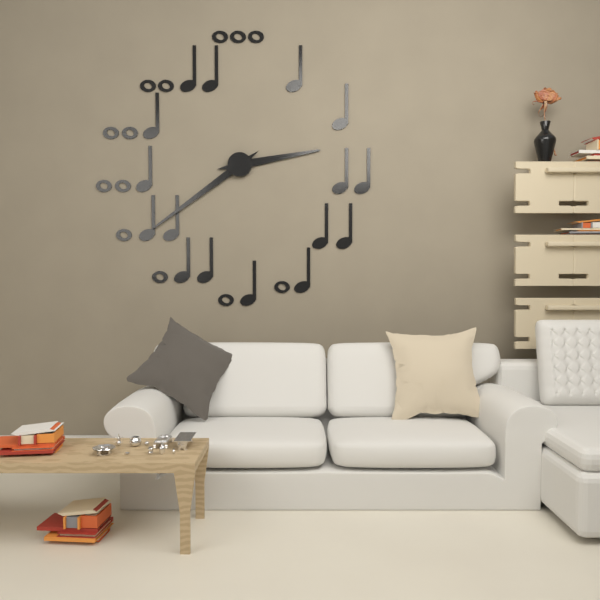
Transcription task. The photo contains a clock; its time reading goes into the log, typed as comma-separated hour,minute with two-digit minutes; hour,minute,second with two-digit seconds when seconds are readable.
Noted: 2,39
